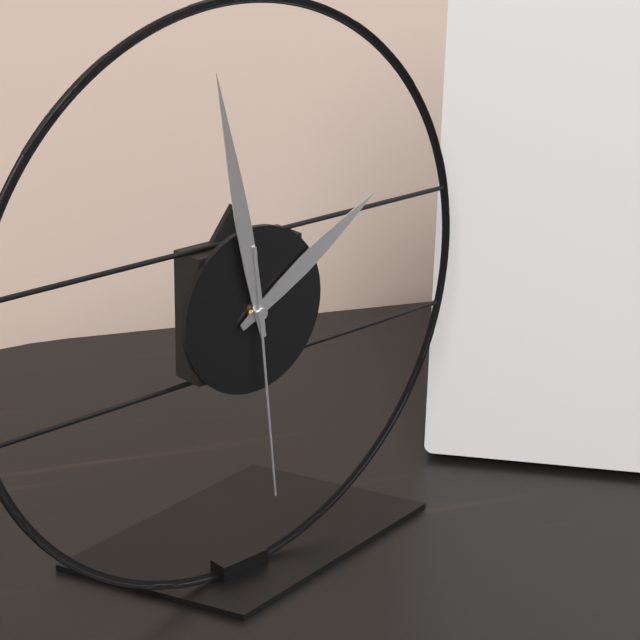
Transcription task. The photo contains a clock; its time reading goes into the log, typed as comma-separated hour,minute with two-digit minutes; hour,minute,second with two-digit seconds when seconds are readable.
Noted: 1,58,29
